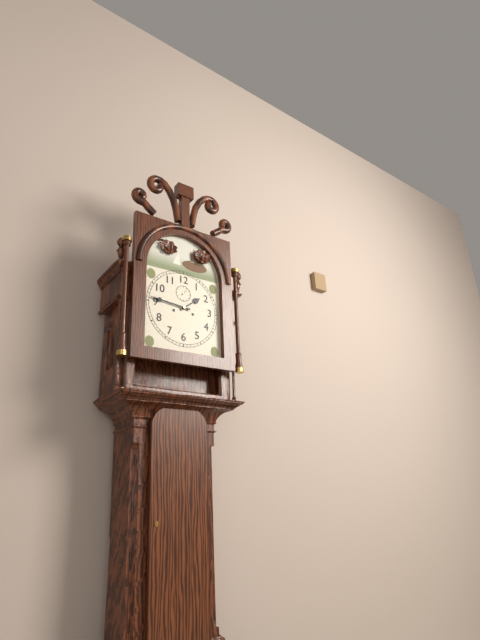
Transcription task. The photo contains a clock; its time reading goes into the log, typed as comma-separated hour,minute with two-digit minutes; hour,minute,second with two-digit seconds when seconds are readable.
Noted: 1,46
